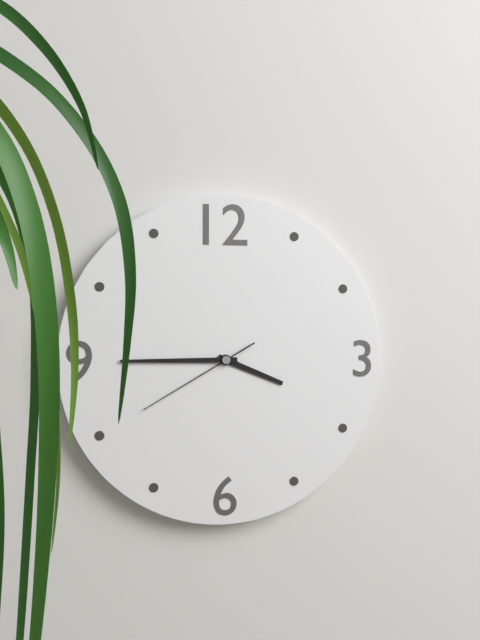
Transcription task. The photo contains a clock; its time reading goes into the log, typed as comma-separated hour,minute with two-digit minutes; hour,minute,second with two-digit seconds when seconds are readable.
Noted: 3,45,40
